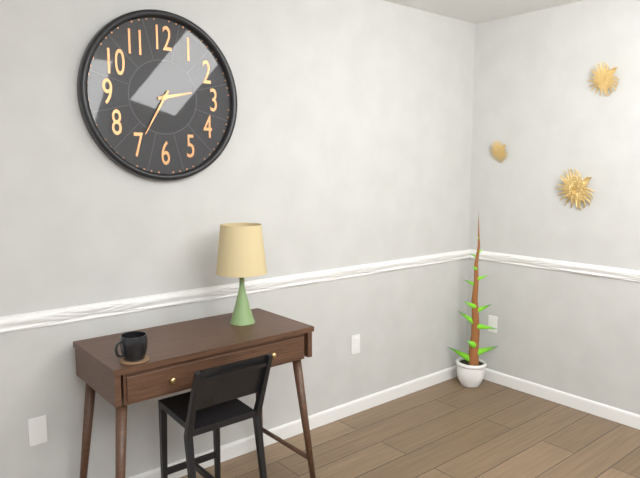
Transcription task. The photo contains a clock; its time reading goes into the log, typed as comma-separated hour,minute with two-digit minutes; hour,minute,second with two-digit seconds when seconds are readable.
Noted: 2,35
